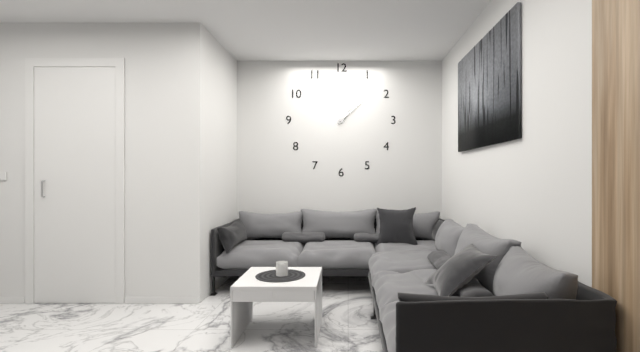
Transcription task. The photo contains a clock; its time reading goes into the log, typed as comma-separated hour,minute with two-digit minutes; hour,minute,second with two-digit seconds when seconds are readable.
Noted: 1,08
